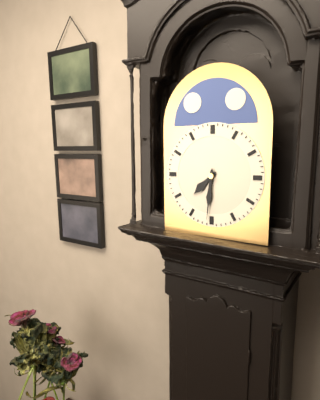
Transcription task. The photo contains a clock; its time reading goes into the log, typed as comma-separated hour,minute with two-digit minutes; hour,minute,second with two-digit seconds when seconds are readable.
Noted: 7,31
